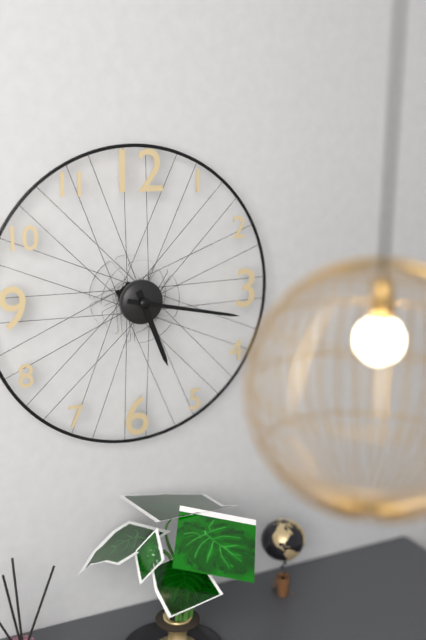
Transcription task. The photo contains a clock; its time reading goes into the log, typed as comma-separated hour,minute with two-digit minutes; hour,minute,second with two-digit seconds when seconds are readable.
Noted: 5,17
